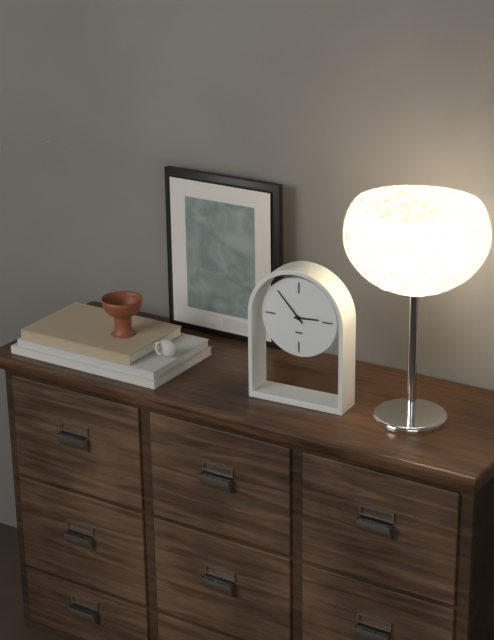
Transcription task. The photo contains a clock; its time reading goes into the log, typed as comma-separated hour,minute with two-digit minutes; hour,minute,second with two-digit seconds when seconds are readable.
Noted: 2,53
